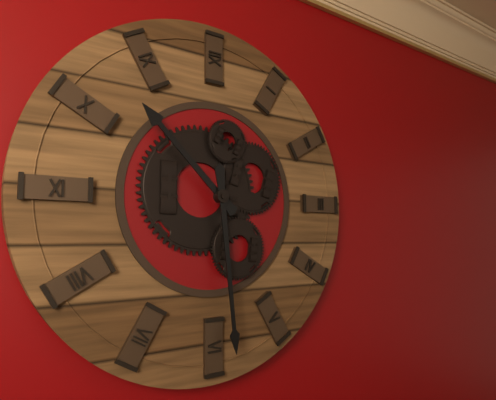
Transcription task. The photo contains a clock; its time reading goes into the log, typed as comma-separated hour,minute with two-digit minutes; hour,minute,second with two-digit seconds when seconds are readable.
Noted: 10,29
